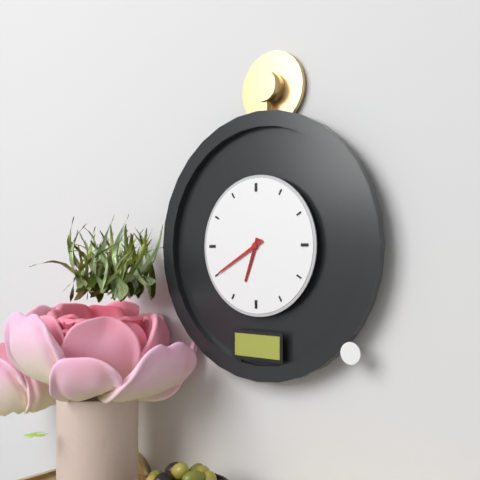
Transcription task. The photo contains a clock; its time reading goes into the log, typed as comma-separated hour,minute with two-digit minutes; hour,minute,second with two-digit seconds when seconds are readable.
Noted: 6,40
